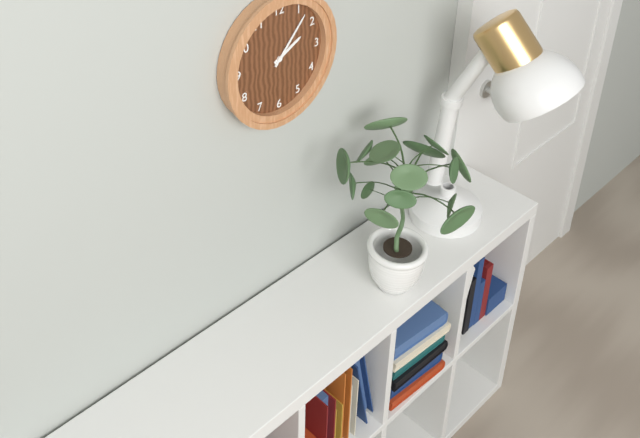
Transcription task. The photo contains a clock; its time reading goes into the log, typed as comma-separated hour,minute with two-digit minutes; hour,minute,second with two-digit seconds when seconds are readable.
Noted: 2,07
